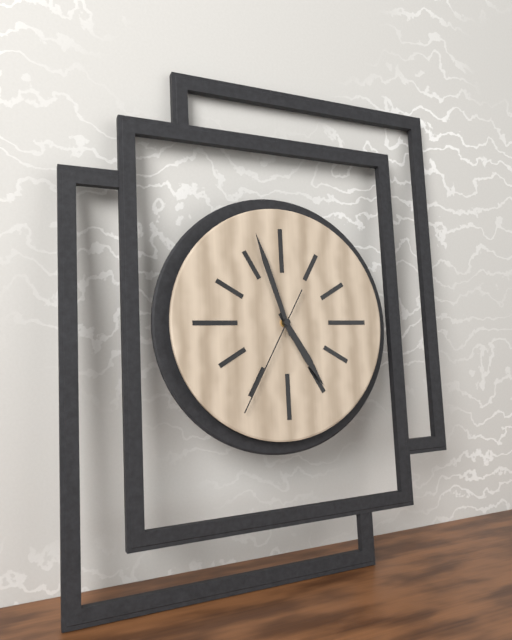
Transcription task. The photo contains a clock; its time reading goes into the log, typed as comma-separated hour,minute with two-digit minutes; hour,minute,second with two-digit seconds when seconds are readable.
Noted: 4,57,35
